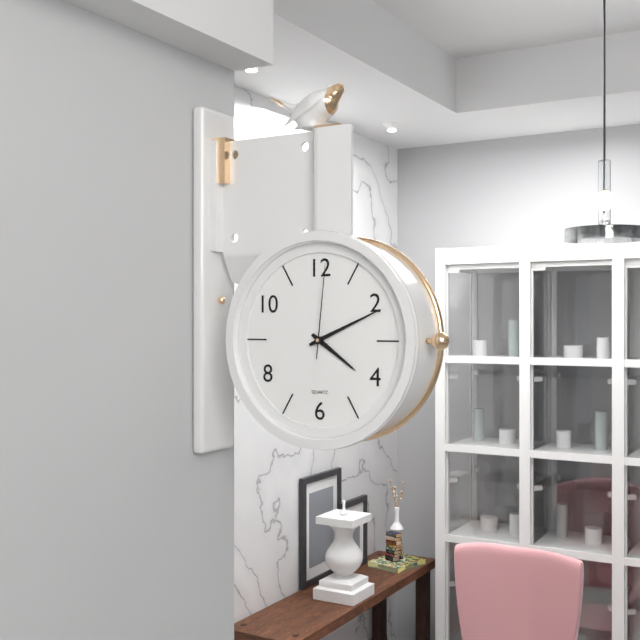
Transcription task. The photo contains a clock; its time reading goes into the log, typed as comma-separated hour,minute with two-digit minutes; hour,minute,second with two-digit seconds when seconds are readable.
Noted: 4,11,01
